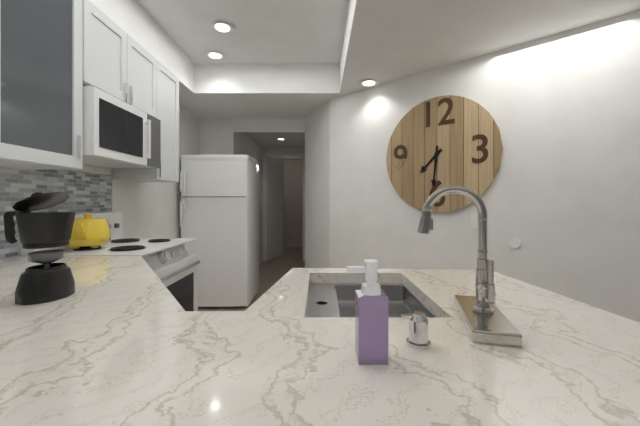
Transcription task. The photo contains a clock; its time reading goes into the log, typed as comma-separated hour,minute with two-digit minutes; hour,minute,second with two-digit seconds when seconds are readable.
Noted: 7,31
